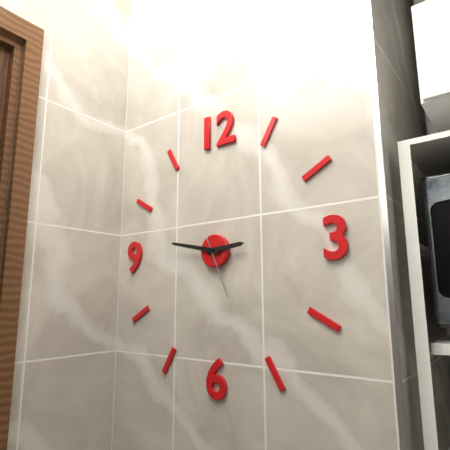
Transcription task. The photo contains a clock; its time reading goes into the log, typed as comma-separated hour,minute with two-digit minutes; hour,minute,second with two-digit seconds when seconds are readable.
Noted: 2,47,26
